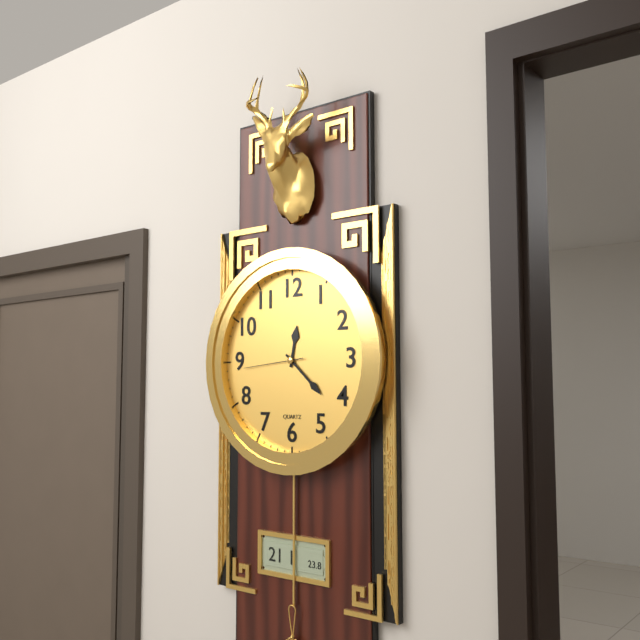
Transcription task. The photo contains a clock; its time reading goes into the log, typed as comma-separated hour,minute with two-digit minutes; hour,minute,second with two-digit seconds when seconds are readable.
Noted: 12,22,44
